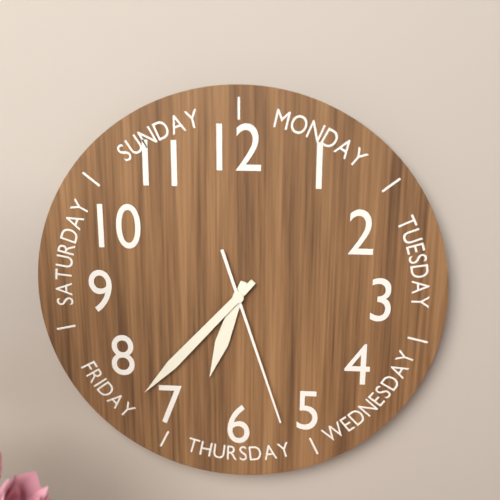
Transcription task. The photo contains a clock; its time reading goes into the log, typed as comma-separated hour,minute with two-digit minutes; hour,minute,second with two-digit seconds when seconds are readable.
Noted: 6,37,27
